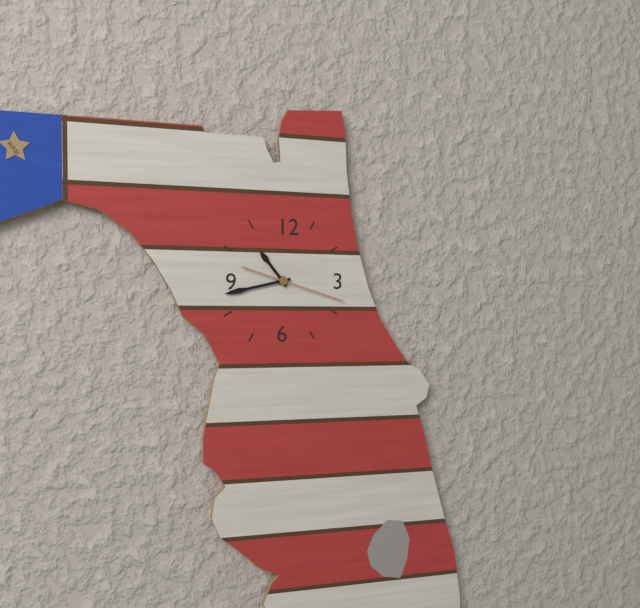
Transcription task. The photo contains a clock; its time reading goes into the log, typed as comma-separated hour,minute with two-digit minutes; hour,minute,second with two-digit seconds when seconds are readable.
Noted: 10,43,18
